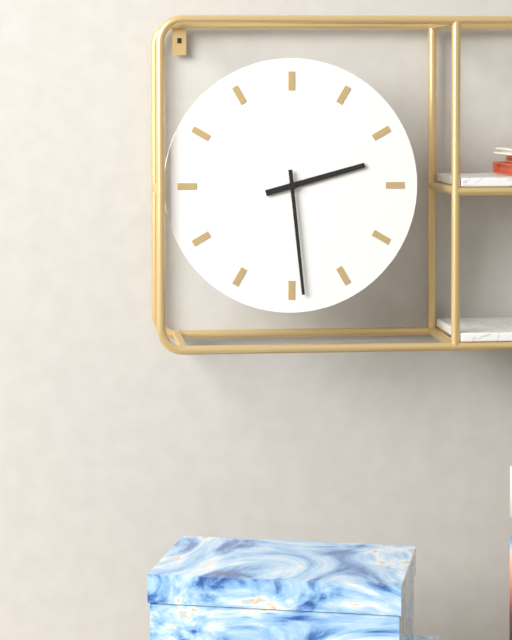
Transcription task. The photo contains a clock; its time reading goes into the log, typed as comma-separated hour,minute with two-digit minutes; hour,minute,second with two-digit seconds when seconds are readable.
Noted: 2,29
